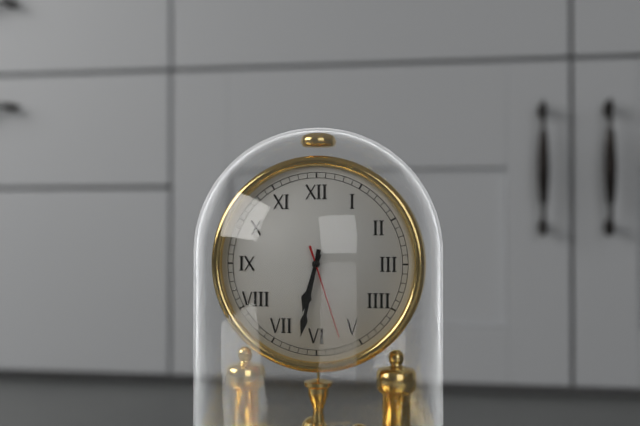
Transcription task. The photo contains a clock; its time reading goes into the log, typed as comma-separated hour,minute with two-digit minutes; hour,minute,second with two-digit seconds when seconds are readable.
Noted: 6,32,27
